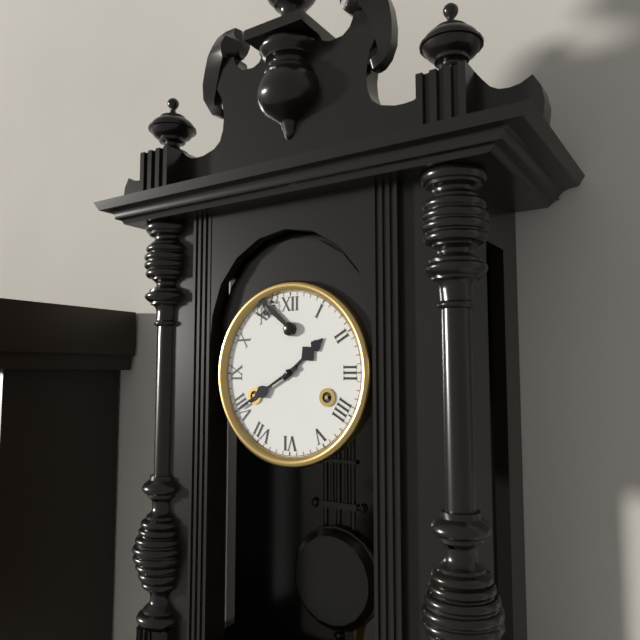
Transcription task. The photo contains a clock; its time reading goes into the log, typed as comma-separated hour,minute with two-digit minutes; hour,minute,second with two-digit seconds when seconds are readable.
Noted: 1,40
